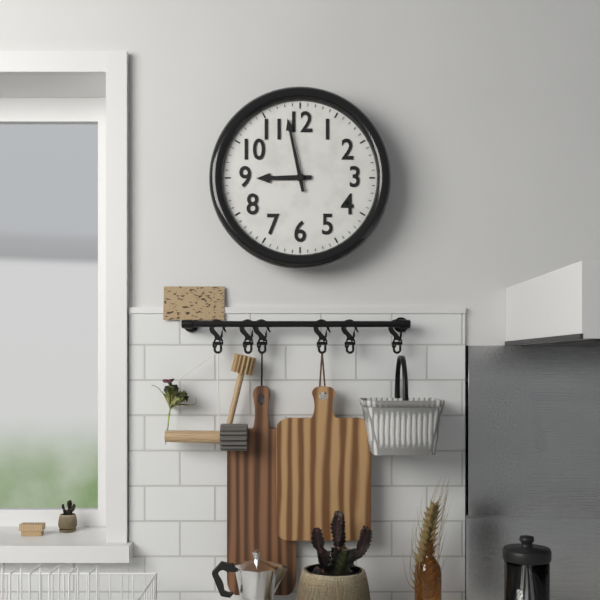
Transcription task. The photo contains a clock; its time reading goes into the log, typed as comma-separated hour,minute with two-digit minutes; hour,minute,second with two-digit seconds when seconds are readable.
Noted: 8,58
